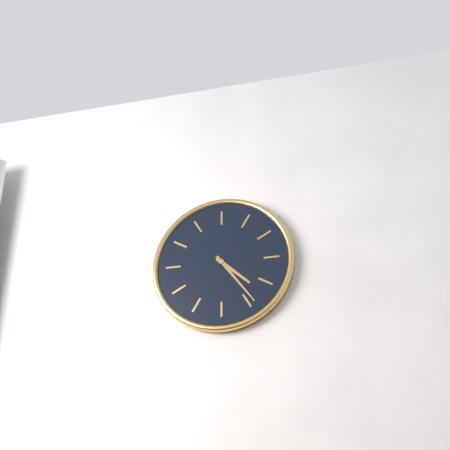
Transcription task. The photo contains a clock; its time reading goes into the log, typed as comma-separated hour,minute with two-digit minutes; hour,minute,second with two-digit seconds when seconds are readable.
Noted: 4,24
